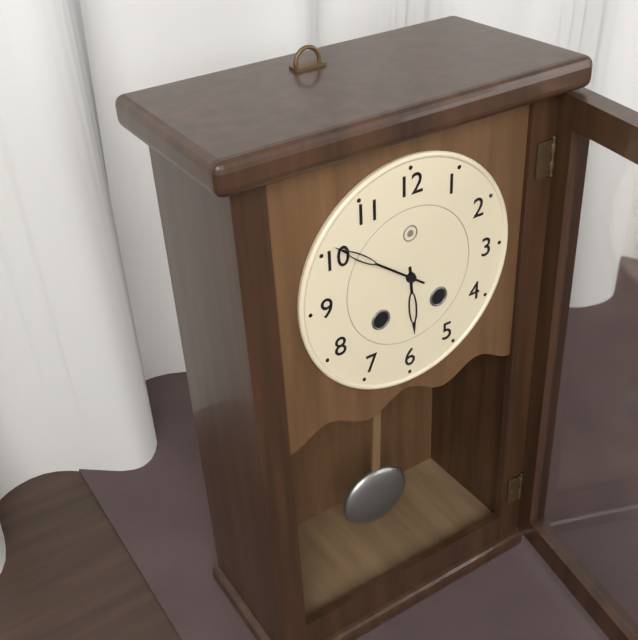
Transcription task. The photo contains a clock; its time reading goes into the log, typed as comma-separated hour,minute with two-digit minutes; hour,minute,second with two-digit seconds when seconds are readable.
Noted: 5,51
